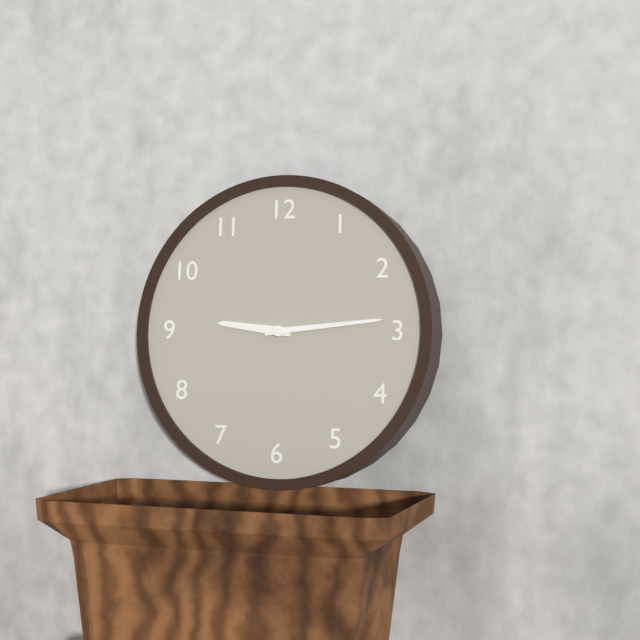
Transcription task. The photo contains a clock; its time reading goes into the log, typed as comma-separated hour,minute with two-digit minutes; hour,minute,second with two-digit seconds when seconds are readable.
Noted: 9,14
